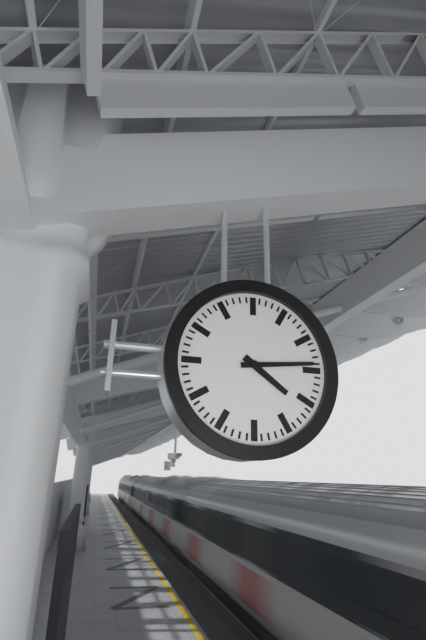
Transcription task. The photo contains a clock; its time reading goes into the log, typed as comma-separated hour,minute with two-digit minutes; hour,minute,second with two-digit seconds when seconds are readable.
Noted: 4,14
